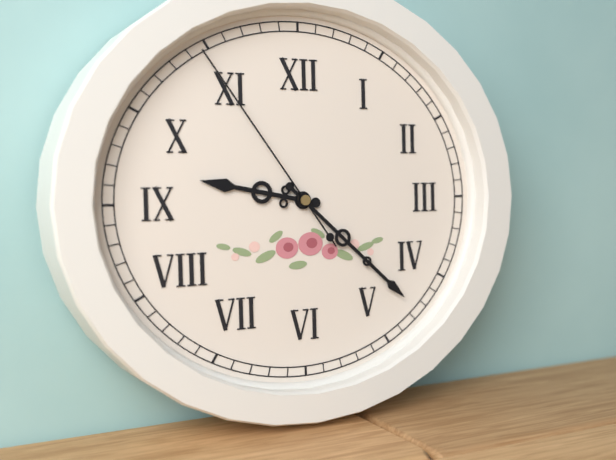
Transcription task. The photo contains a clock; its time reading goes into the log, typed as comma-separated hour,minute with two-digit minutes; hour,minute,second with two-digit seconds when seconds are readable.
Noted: 9,22,54
